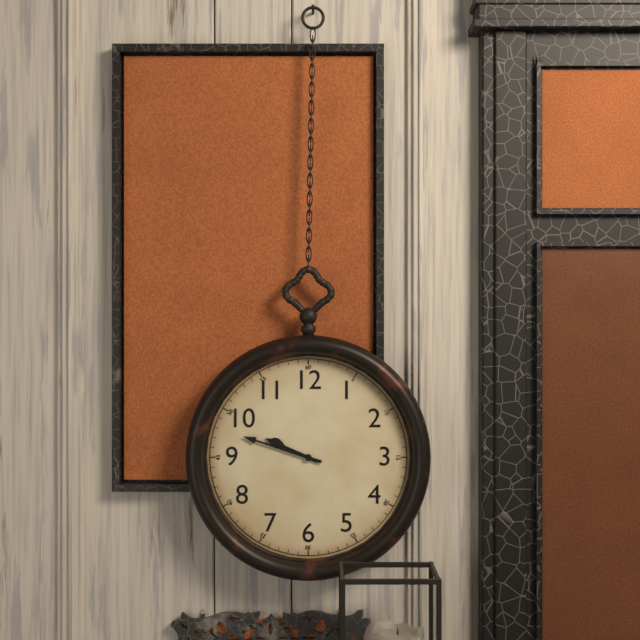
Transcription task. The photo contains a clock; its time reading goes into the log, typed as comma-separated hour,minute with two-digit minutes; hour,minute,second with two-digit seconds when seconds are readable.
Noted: 9,48
